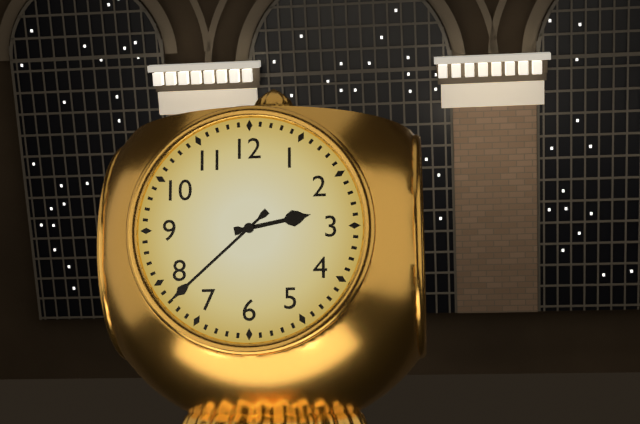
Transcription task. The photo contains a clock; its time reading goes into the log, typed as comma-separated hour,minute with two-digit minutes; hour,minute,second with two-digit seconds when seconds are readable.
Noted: 2,38
